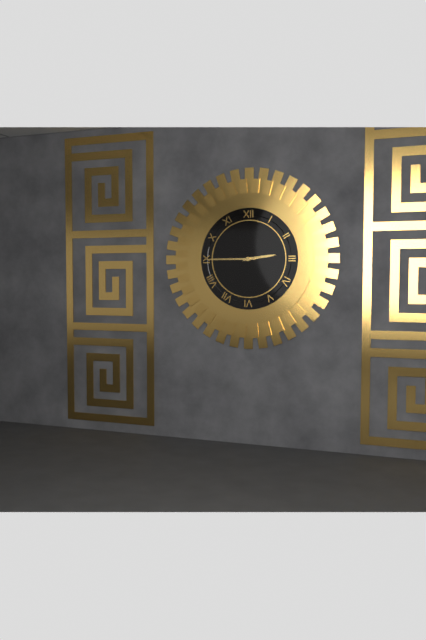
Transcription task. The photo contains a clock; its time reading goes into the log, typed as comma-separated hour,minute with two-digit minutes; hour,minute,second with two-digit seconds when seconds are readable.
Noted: 2,45
